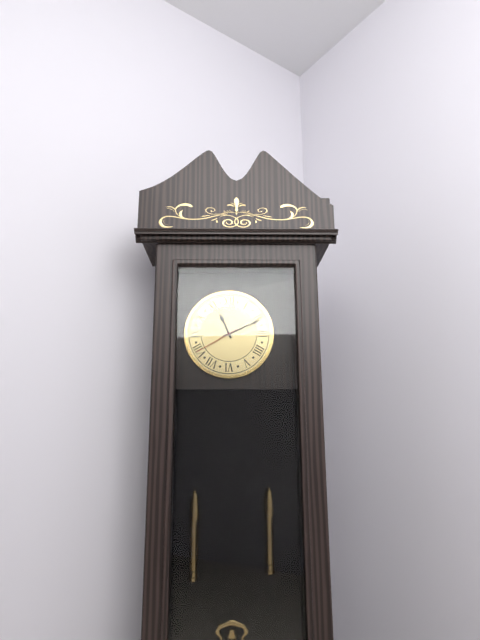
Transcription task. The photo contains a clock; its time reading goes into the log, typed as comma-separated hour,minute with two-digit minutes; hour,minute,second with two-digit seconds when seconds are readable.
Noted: 11,11
